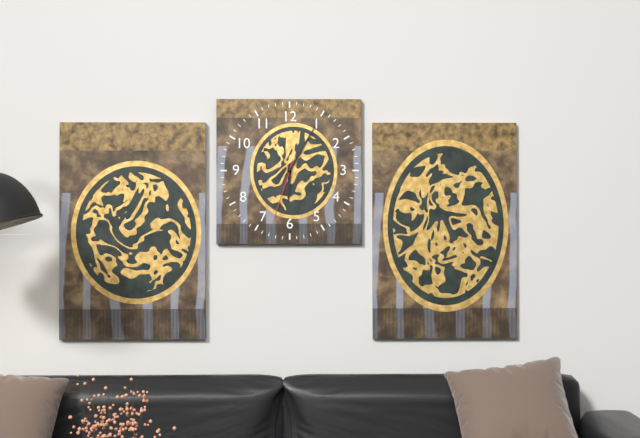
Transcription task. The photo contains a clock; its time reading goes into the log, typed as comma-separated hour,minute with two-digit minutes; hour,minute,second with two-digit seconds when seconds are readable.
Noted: 6,05,33
